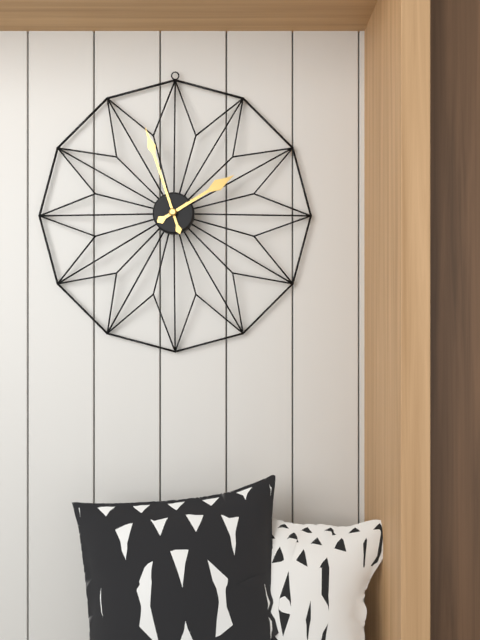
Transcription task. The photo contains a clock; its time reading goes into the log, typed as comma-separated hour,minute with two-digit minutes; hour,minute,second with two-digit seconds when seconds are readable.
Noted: 1,57
